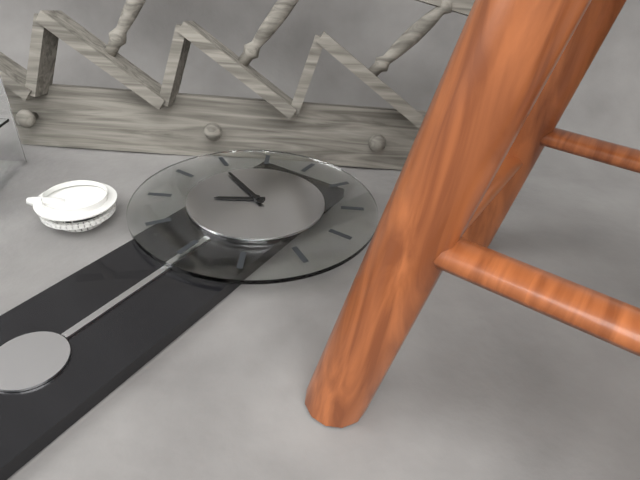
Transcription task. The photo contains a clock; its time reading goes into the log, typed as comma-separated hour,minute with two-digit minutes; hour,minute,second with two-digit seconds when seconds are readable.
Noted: 7,49
